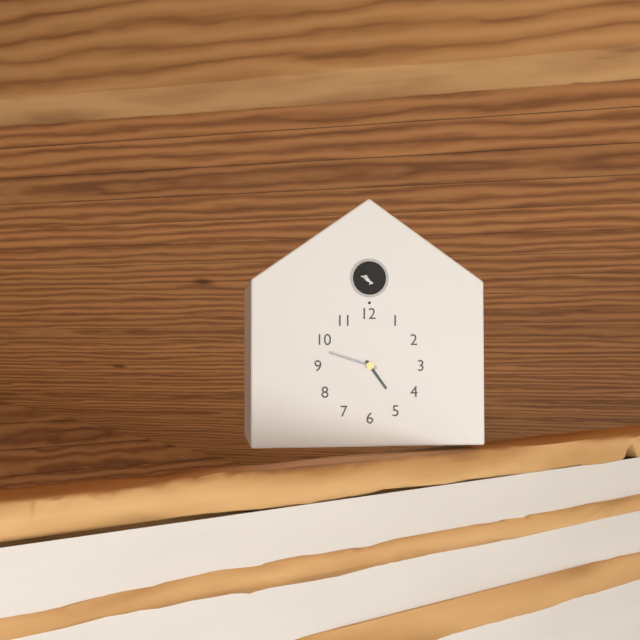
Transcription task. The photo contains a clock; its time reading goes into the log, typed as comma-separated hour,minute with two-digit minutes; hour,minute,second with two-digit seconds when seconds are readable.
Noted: 4,48
